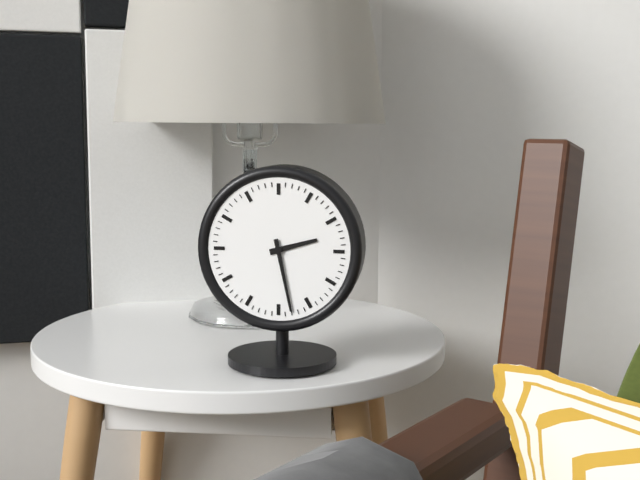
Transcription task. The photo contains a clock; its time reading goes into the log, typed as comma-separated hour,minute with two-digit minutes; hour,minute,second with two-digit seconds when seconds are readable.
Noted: 2,28
